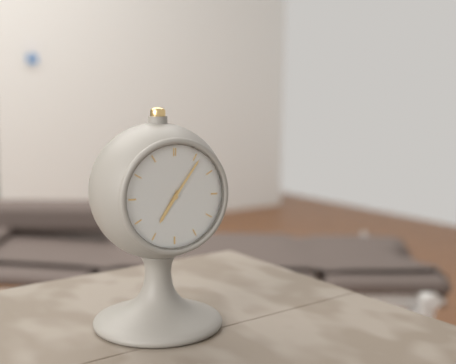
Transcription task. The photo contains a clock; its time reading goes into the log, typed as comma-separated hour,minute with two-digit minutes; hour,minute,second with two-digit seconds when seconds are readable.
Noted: 7,06
